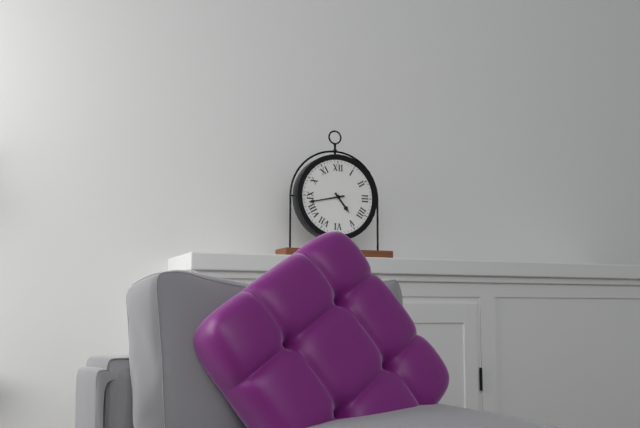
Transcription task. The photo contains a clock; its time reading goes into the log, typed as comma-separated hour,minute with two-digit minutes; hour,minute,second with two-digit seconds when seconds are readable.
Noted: 4,43
